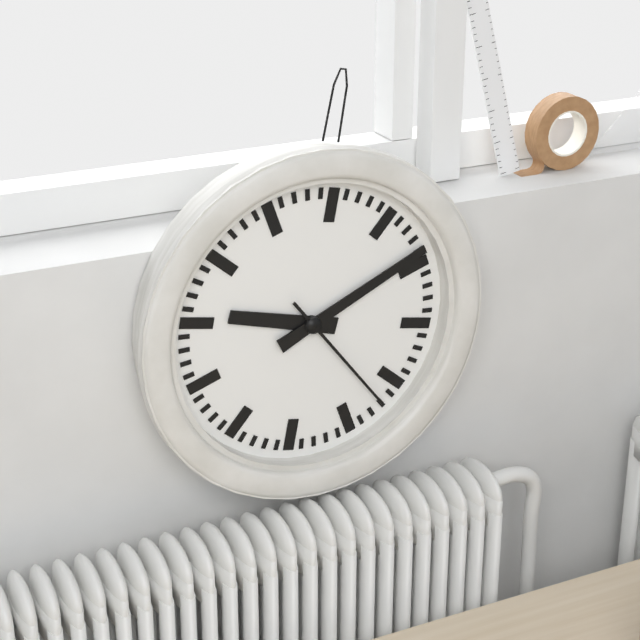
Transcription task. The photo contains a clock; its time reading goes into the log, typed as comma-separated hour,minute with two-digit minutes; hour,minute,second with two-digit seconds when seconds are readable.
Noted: 9,09,22
